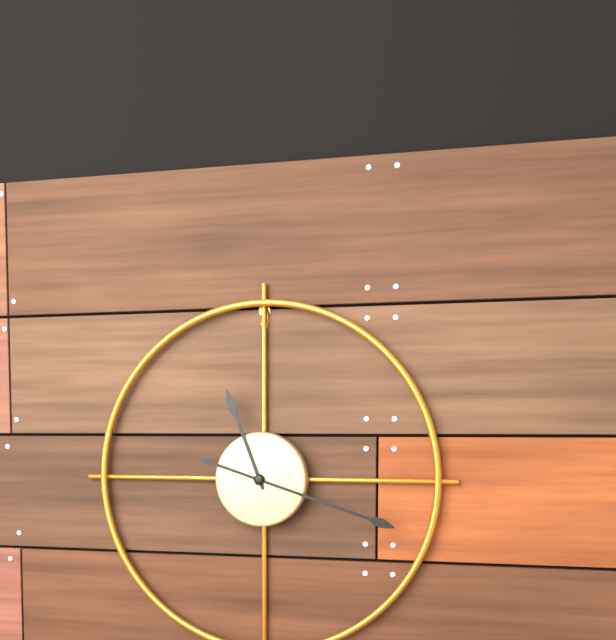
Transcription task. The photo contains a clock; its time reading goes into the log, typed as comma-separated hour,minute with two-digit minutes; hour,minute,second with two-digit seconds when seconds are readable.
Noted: 11,18
